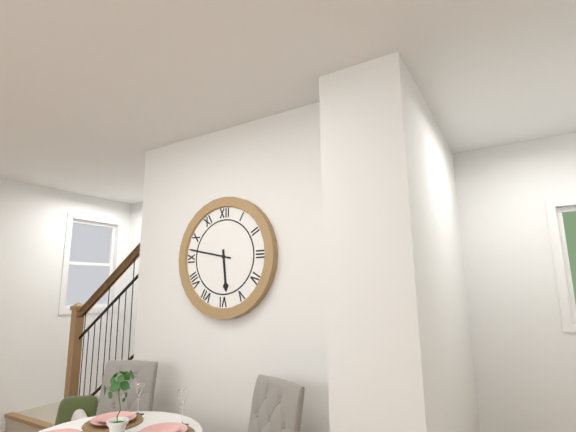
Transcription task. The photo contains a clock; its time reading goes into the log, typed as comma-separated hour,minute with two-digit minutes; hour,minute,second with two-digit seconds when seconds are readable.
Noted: 5,47
